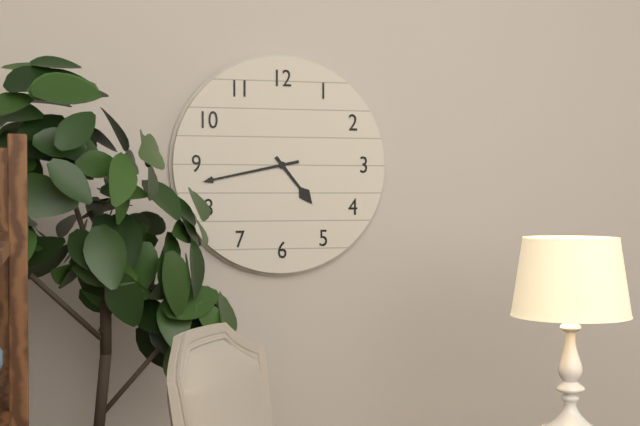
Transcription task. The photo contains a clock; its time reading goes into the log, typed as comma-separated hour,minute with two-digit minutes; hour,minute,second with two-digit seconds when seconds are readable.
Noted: 4,43
